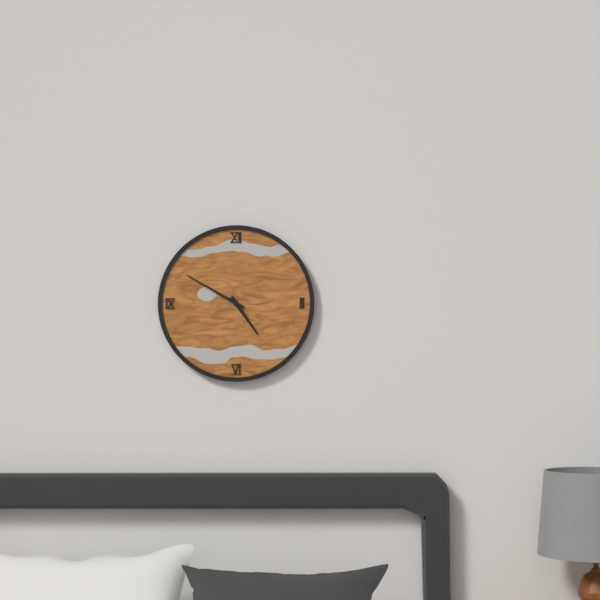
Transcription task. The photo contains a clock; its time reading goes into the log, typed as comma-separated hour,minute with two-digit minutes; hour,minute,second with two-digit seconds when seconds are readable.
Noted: 4,50
